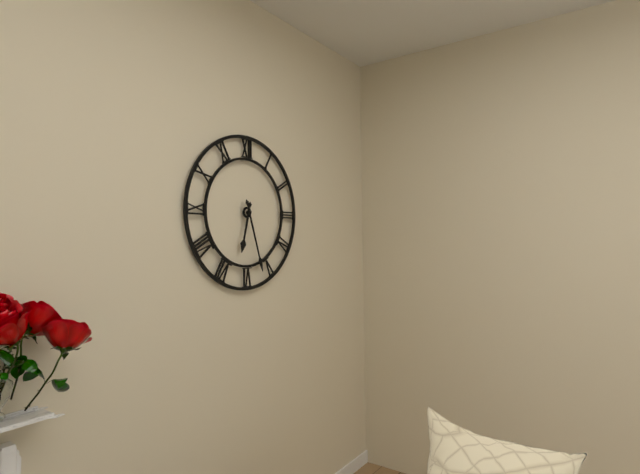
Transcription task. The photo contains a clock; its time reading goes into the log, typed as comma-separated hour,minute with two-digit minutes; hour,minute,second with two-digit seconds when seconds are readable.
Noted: 6,27
